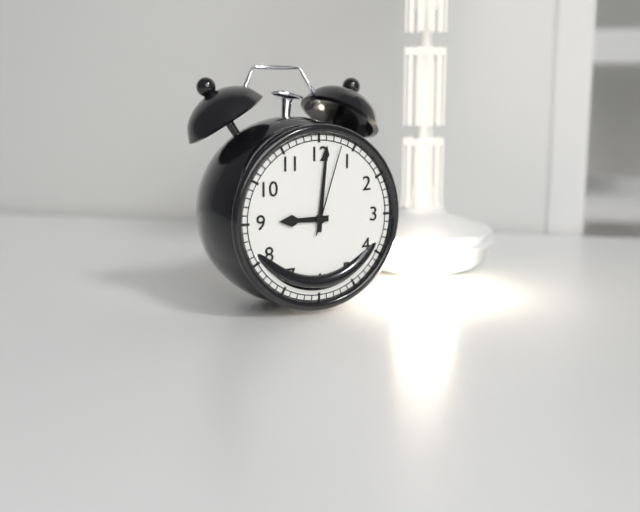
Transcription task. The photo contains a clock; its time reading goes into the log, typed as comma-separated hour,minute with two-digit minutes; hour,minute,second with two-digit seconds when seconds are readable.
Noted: 9,01,03
